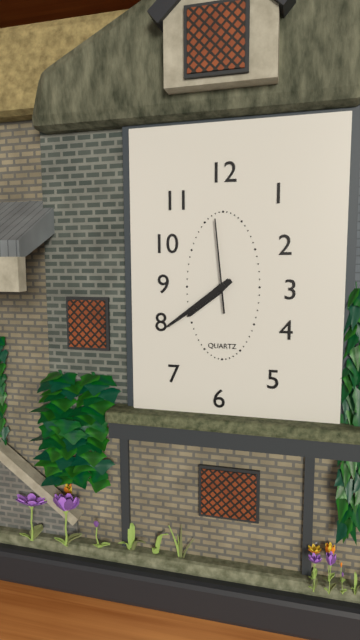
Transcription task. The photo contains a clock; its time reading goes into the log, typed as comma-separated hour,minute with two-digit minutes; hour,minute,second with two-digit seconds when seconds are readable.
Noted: 7,39,59
